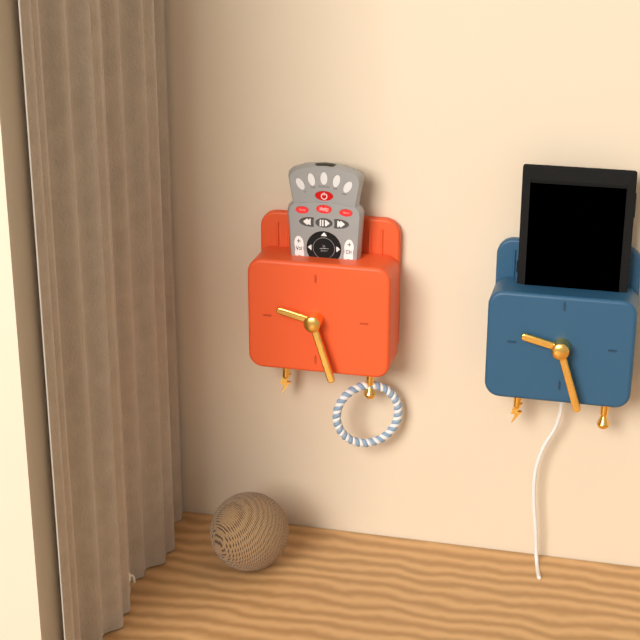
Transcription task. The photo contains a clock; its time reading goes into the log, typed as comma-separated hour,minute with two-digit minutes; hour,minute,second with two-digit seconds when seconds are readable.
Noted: 9,27
